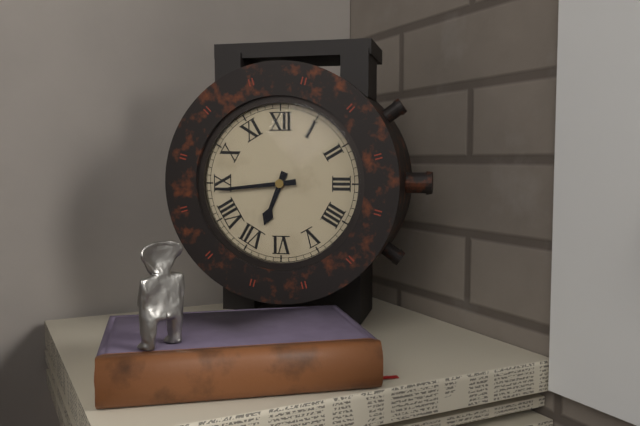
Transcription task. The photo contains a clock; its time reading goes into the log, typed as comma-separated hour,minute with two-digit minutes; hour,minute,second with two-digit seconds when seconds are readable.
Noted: 6,44
